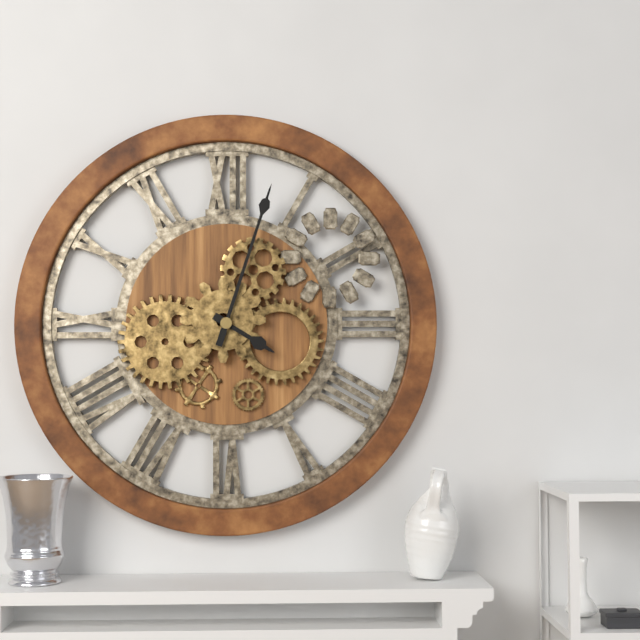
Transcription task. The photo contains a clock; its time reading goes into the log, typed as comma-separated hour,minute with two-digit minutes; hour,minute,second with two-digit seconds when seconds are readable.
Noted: 4,03
